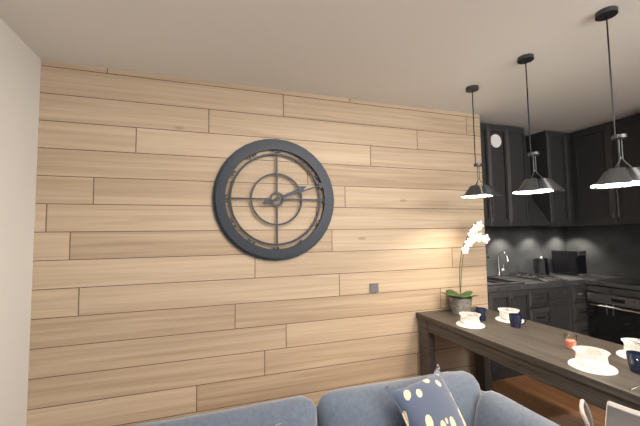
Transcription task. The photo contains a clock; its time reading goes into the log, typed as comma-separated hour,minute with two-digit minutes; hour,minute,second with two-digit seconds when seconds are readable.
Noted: 2,12
